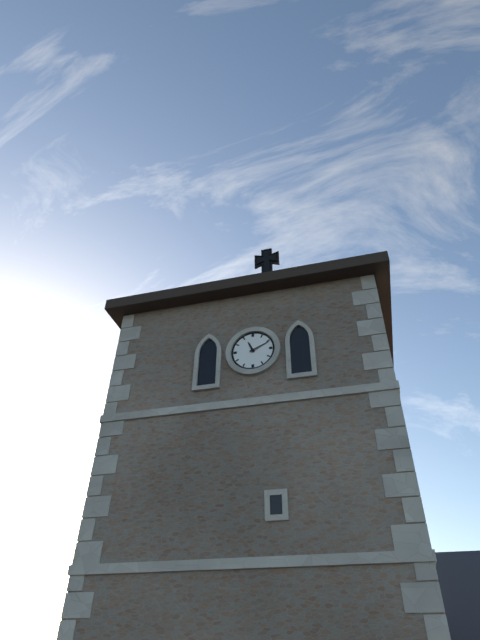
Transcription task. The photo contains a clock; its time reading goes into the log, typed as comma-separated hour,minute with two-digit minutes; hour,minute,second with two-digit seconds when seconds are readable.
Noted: 11,11
